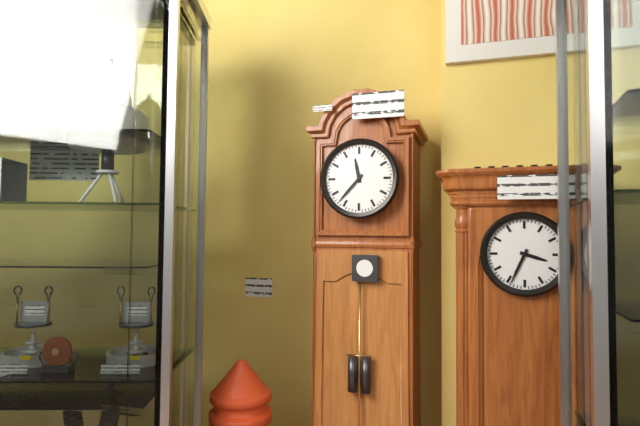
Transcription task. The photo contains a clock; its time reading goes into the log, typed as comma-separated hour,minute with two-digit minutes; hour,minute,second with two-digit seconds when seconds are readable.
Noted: 11,37
